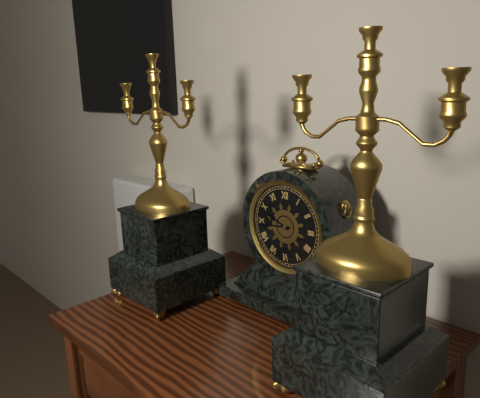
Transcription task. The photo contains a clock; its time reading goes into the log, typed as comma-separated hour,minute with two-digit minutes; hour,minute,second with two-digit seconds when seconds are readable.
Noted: 9,44
